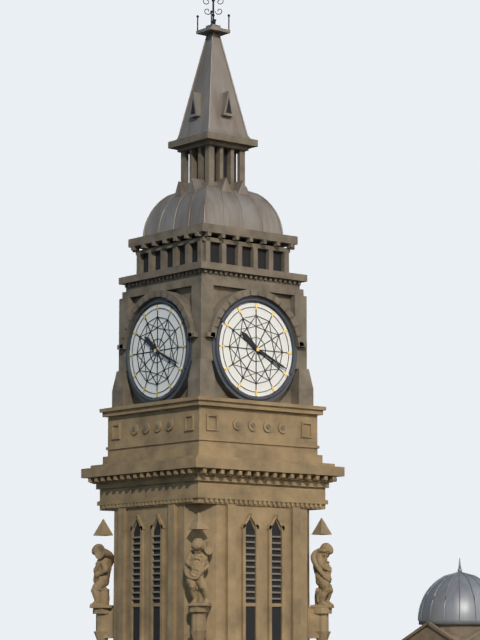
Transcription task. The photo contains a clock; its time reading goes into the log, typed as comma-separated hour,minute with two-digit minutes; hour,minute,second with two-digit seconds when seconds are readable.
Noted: 10,19
